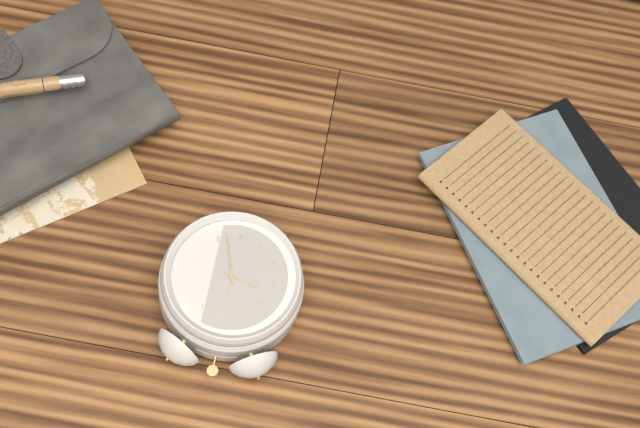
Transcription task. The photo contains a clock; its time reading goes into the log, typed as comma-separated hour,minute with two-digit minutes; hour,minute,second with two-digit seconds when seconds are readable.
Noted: 9,27
